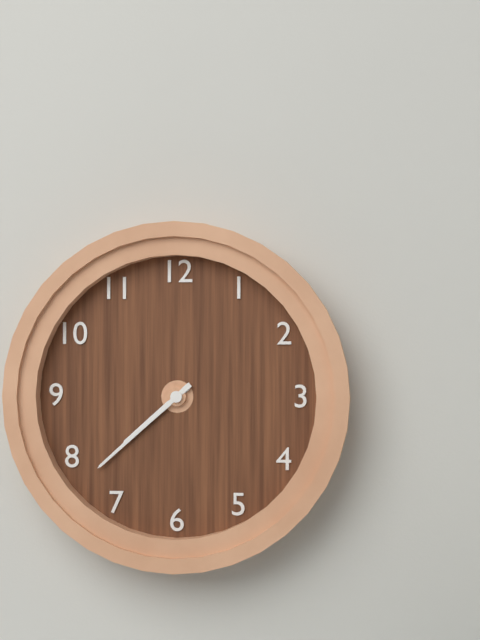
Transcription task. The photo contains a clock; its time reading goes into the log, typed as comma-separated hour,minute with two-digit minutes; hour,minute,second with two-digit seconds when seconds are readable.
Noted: 7,38
